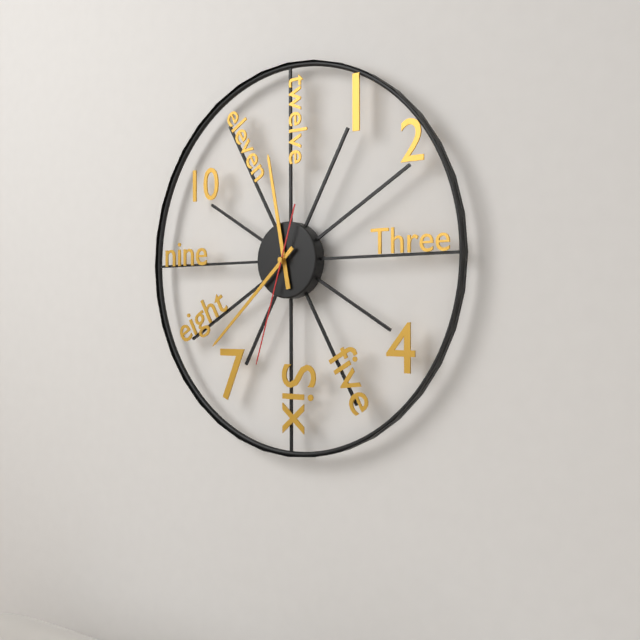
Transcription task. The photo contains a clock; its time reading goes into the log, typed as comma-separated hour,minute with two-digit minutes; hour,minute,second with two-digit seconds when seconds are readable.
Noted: 11,38,33
